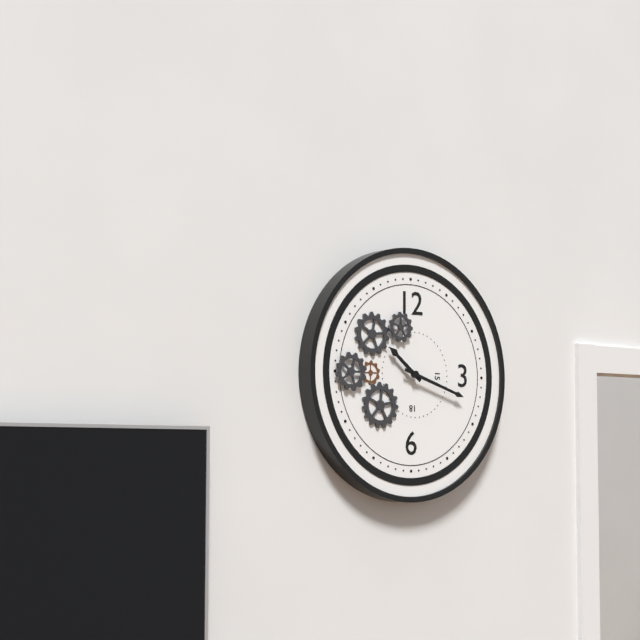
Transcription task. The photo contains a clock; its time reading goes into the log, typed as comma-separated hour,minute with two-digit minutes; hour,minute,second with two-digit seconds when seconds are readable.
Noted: 10,18
